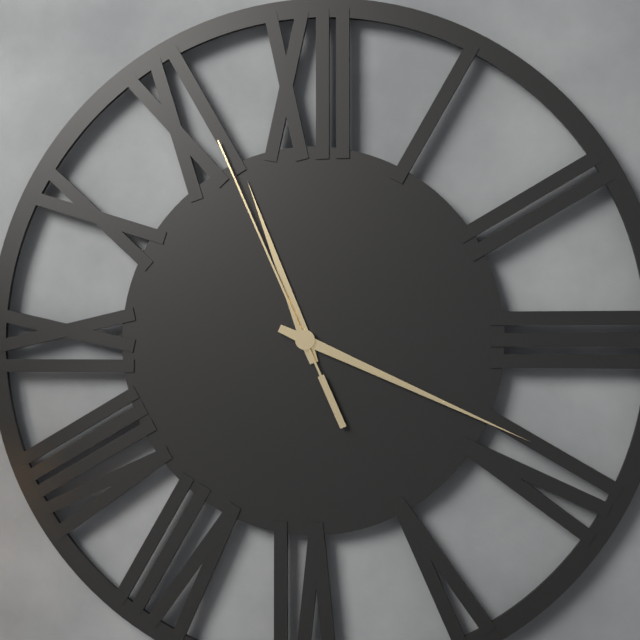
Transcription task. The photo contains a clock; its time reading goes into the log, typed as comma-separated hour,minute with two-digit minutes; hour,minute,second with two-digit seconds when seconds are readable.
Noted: 11,19,56
